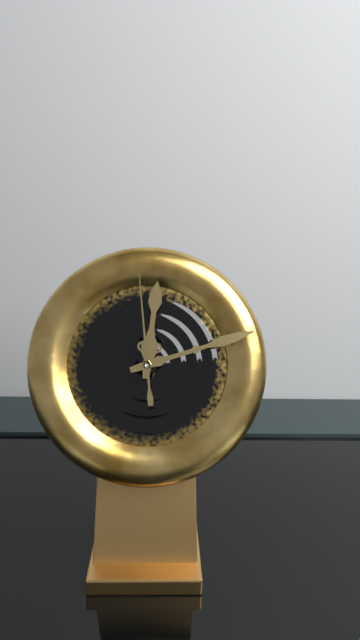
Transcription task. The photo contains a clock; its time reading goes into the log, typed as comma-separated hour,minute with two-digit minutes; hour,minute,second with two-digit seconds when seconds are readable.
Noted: 12,12,59
